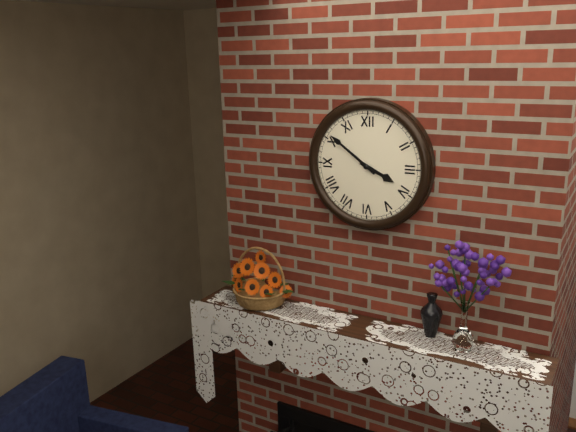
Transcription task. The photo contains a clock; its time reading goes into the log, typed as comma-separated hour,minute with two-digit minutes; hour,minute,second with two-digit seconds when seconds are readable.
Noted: 3,51
